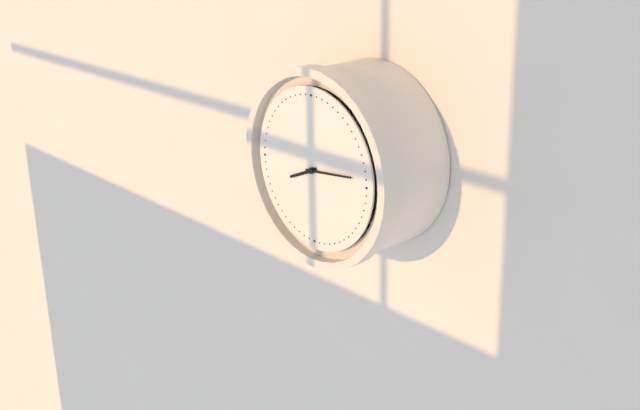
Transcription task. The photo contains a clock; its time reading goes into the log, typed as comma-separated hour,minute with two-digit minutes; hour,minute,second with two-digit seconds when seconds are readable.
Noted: 8,14
